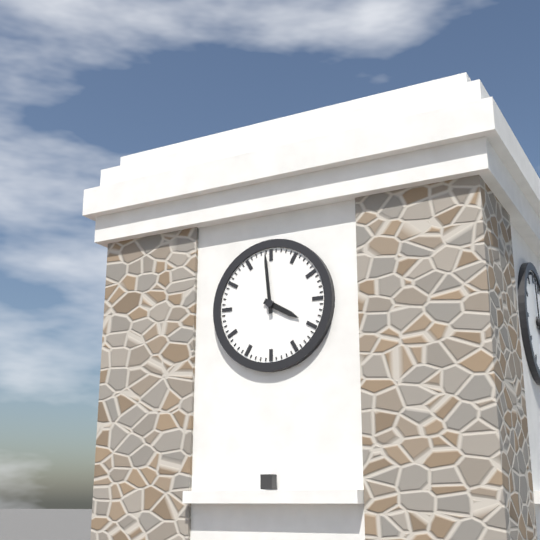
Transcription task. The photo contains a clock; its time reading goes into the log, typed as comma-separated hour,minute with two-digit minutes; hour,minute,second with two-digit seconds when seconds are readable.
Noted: 3,59
